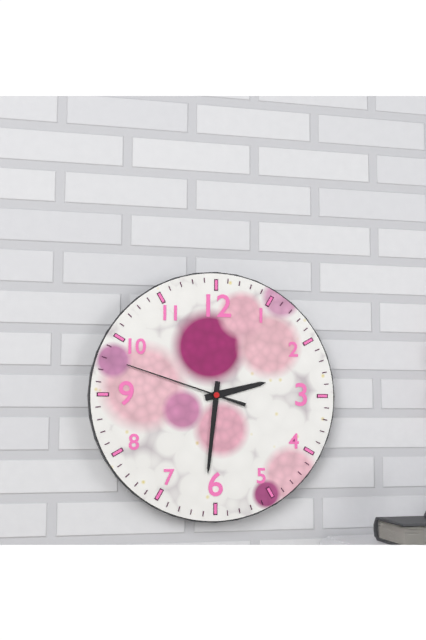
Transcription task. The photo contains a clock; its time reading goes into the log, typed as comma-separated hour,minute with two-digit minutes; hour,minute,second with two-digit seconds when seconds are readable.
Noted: 2,31,48
